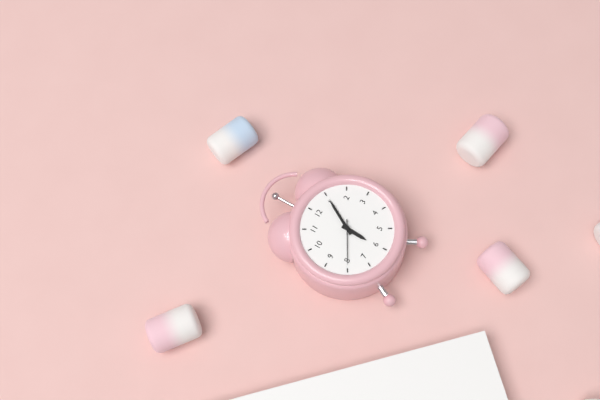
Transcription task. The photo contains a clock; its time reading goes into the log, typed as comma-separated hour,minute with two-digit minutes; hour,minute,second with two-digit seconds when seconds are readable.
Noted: 6,05
